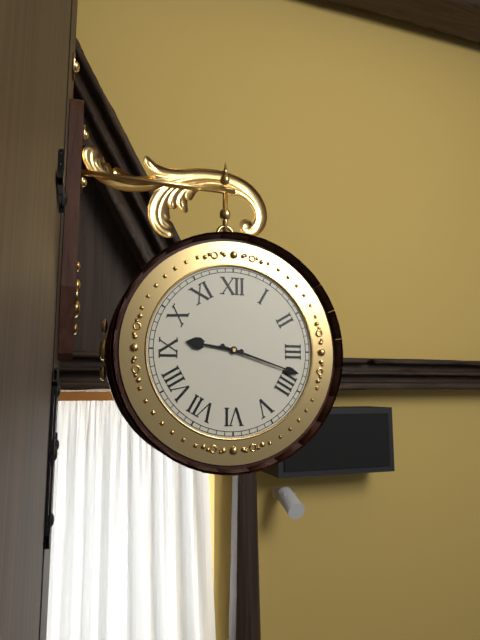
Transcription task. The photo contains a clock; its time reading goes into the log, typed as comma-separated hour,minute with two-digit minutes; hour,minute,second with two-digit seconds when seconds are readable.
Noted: 9,18
